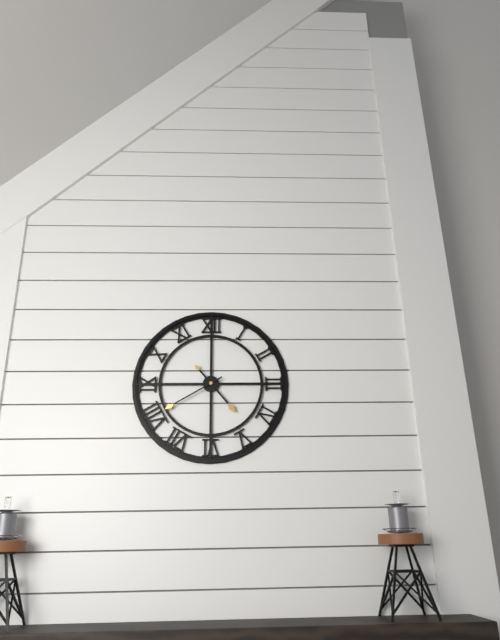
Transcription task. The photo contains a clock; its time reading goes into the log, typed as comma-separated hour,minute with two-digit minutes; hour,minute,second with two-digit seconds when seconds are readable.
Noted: 4,40
